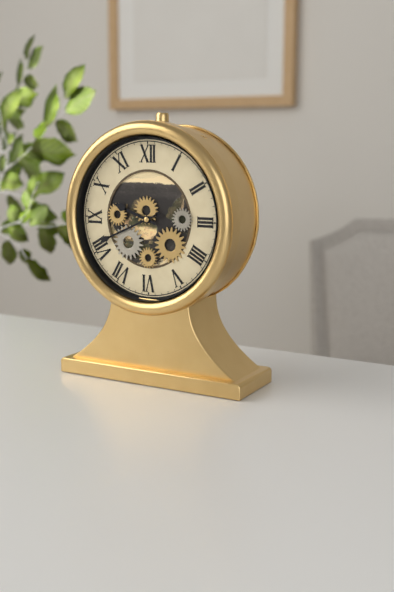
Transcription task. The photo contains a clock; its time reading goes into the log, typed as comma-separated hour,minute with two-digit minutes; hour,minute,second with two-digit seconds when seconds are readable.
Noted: 9,41
